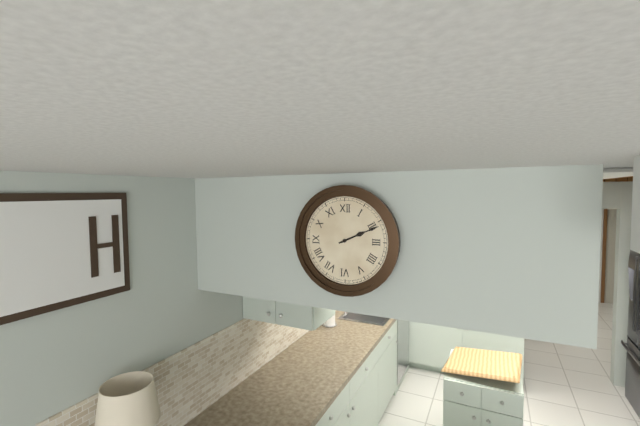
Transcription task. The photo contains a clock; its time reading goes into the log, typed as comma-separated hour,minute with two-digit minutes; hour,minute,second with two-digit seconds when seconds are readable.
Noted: 2,11
